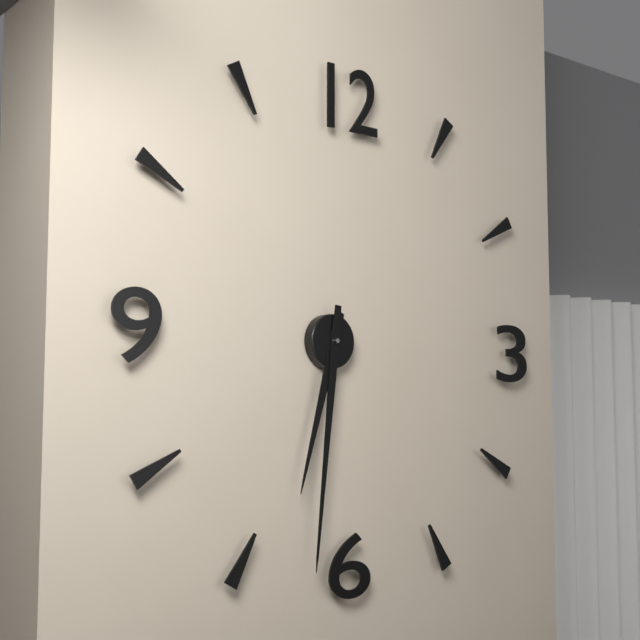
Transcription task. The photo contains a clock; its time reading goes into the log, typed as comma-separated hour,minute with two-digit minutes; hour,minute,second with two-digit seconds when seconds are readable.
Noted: 6,31
